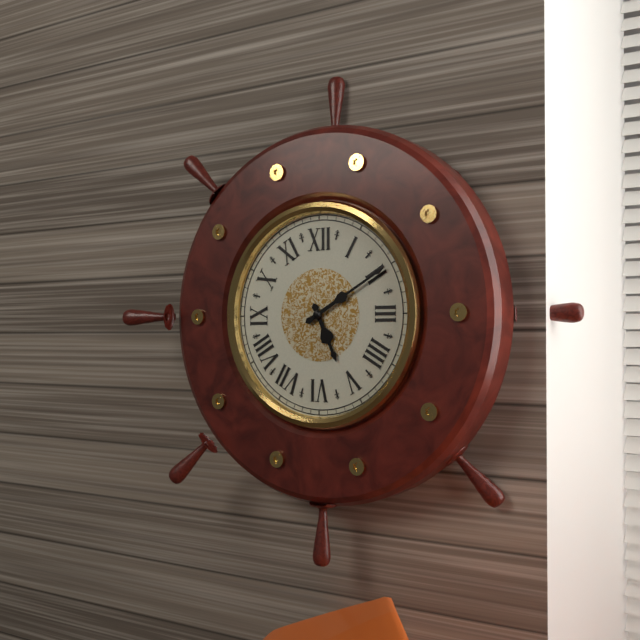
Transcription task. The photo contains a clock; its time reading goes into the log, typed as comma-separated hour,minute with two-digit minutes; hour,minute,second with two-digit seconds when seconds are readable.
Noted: 5,10
